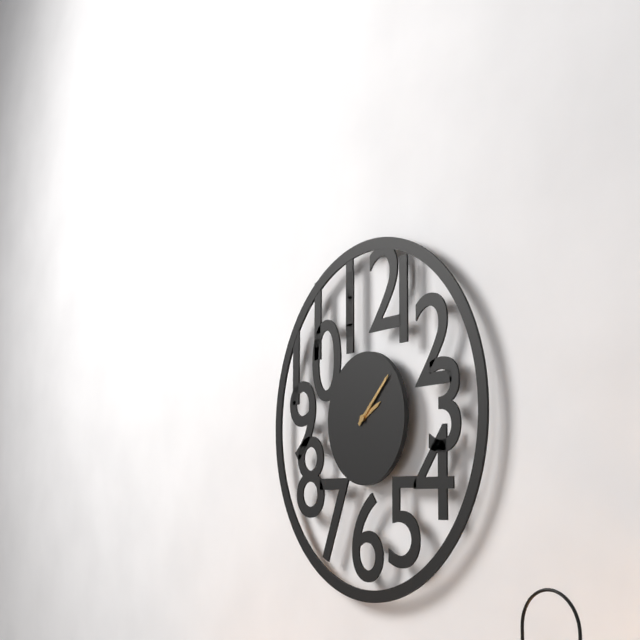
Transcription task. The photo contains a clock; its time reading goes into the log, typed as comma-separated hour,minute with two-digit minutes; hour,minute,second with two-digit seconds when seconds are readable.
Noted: 2,08
